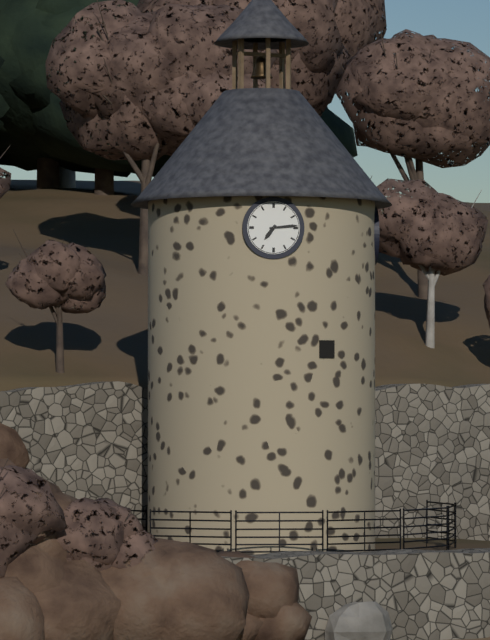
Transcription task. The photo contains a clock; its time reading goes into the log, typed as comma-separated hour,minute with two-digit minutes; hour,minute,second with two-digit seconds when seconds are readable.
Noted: 7,14
